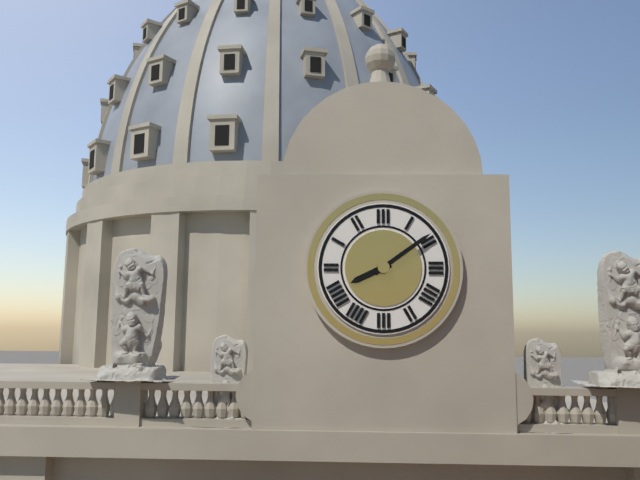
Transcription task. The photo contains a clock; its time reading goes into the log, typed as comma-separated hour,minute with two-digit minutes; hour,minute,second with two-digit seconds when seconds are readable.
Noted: 8,09
